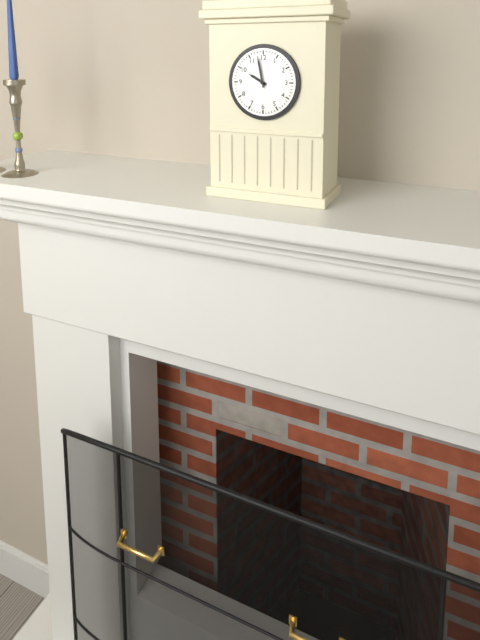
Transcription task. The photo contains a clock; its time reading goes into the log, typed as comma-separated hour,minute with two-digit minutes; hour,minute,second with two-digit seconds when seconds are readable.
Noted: 9,58
